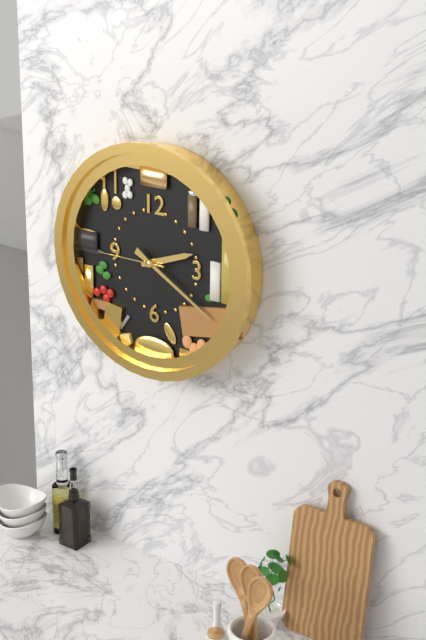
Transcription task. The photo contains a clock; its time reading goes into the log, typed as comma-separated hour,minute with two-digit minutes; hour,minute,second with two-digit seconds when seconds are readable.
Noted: 2,20,45
